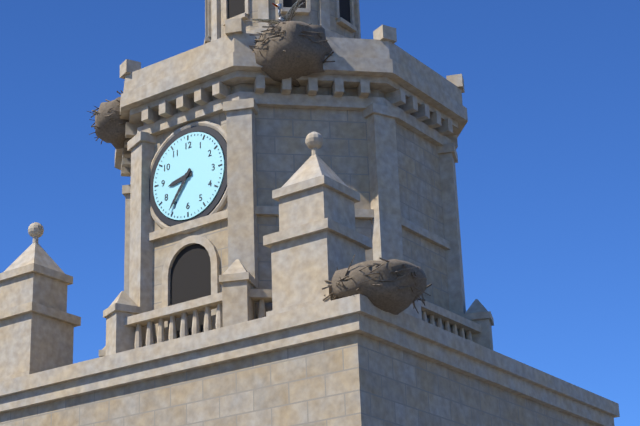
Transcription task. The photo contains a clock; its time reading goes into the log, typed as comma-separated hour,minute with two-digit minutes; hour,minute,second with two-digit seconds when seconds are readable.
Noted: 8,36
